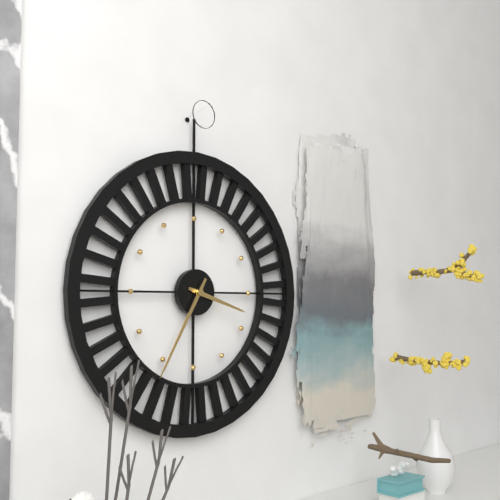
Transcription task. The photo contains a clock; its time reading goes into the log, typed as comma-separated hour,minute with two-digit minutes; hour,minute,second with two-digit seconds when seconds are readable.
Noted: 3,35
